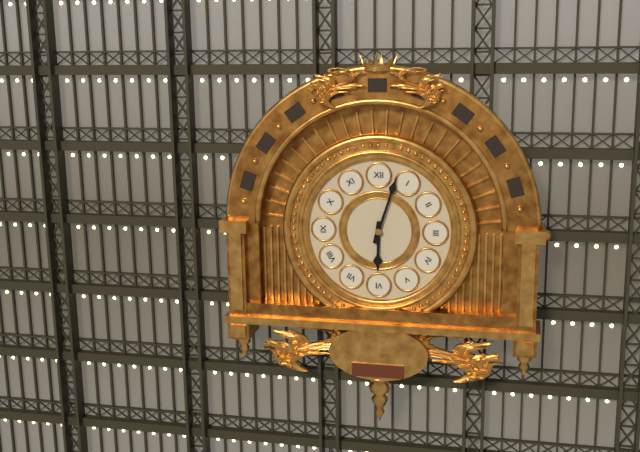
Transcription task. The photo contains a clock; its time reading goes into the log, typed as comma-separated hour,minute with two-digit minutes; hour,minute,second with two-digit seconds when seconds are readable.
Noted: 6,03
